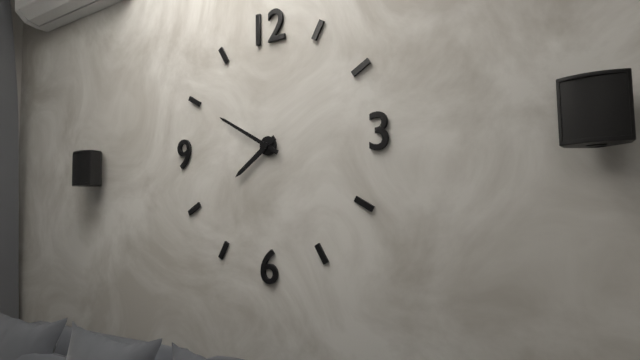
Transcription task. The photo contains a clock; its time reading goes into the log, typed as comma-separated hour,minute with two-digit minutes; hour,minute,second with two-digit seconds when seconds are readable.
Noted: 7,50
